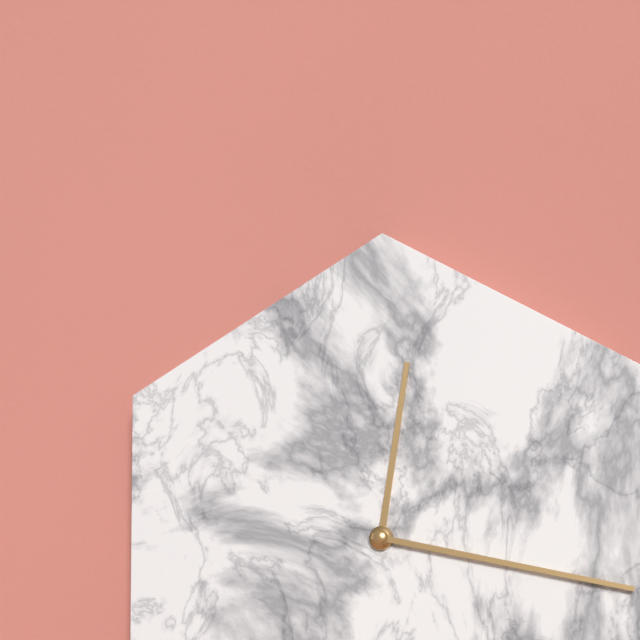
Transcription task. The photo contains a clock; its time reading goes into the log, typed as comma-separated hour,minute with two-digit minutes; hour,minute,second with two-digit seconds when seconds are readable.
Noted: 12,17
